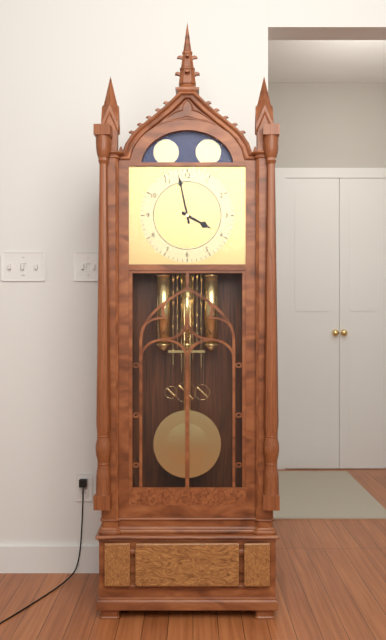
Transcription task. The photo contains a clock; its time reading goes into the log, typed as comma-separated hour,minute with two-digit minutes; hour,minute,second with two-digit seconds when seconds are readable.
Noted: 3,58
